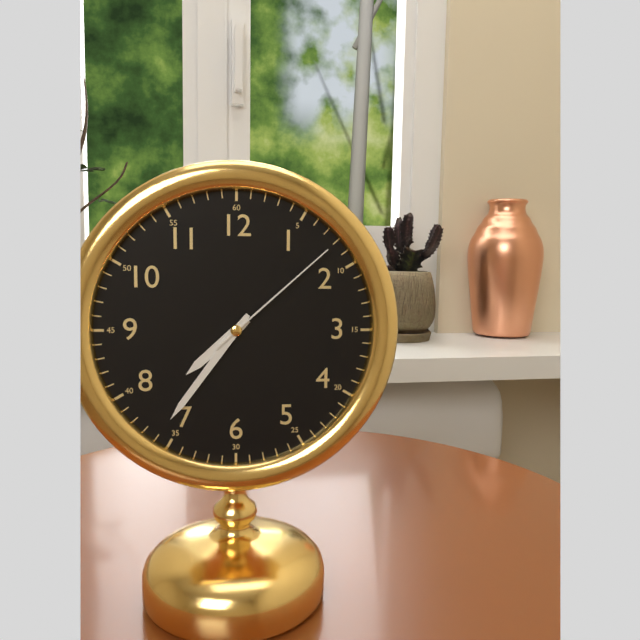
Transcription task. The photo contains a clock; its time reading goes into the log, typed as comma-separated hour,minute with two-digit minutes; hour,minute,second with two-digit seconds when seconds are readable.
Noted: 7,36,08
